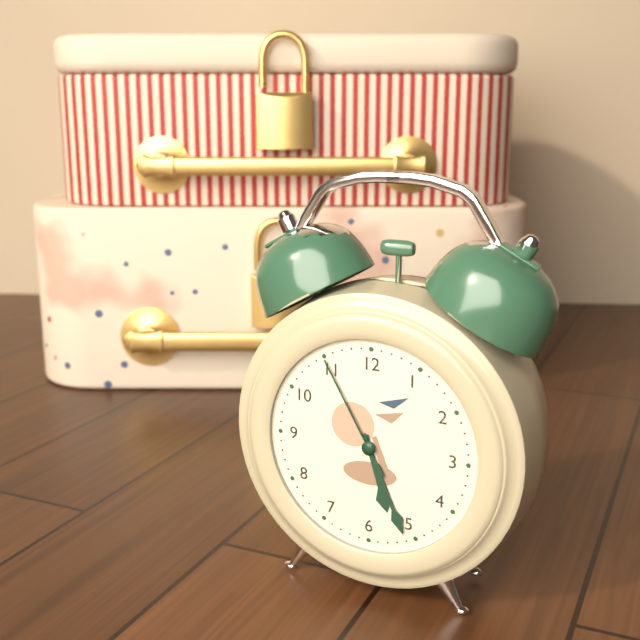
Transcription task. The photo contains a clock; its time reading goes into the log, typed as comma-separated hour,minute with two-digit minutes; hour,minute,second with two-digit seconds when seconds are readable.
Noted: 5,26,55
